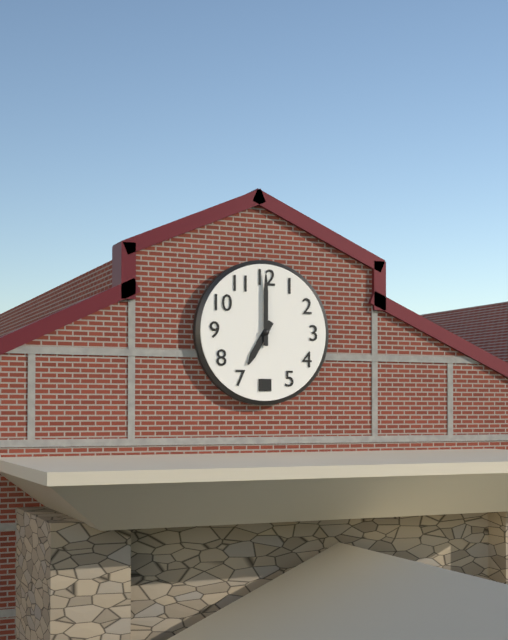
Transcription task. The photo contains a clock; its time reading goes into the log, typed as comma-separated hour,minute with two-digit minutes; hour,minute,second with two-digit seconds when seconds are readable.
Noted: 7,00
